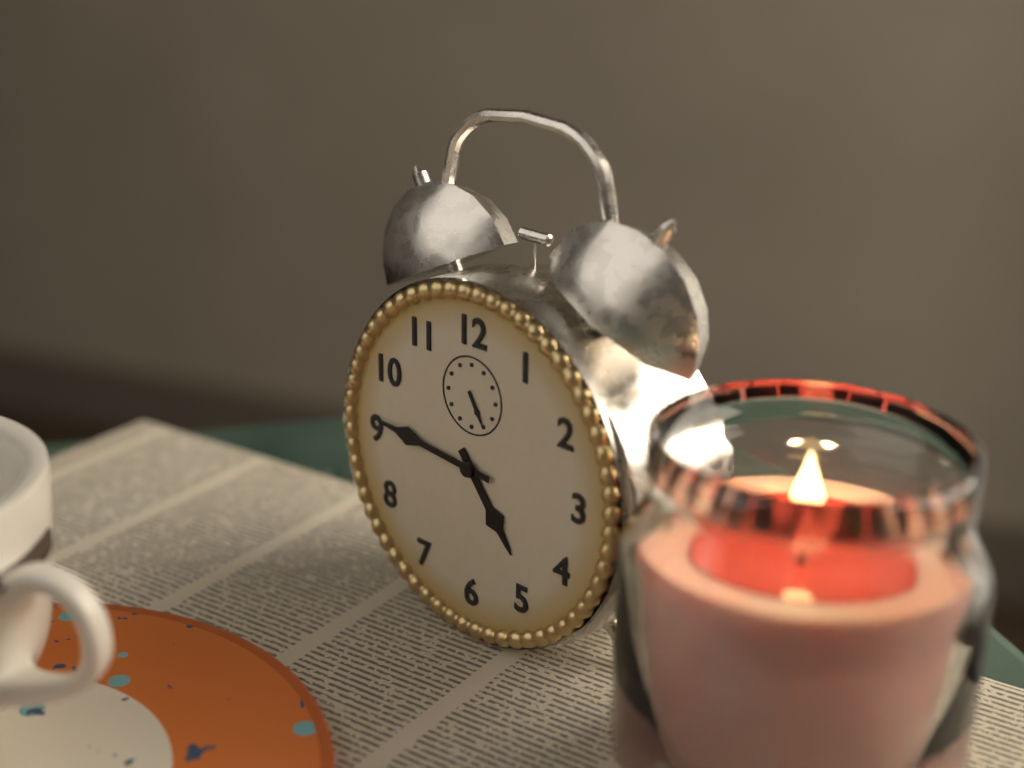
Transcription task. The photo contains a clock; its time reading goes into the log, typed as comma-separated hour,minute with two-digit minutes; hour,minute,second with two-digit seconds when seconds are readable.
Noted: 4,46
